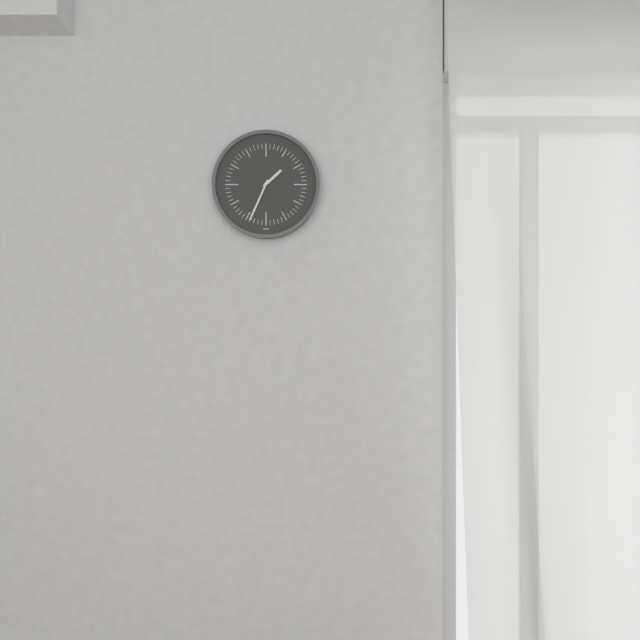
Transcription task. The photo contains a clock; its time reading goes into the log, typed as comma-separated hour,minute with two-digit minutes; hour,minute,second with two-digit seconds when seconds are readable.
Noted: 1,34
